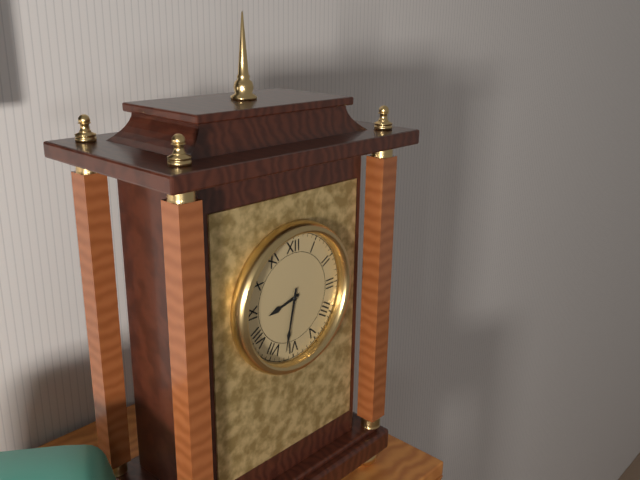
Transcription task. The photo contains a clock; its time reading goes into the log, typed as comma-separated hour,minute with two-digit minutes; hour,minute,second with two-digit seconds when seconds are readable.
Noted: 8,32
